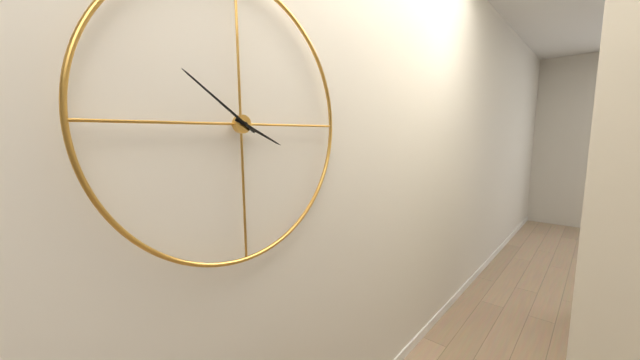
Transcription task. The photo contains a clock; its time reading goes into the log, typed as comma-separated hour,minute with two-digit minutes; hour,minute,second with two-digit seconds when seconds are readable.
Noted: 3,51
